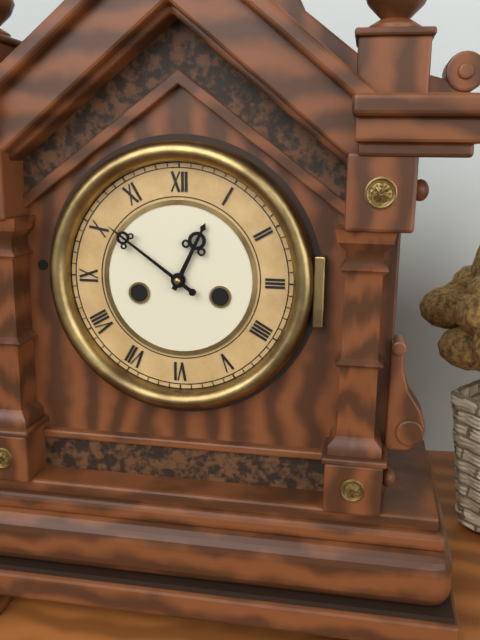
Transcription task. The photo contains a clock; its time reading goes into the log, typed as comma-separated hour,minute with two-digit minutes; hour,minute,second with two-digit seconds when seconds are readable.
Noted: 12,51
